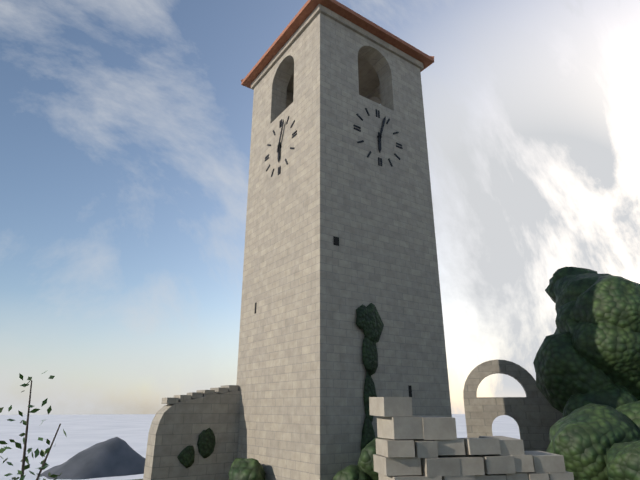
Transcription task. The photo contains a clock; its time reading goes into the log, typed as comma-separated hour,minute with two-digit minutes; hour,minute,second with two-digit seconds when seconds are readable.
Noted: 6,03
